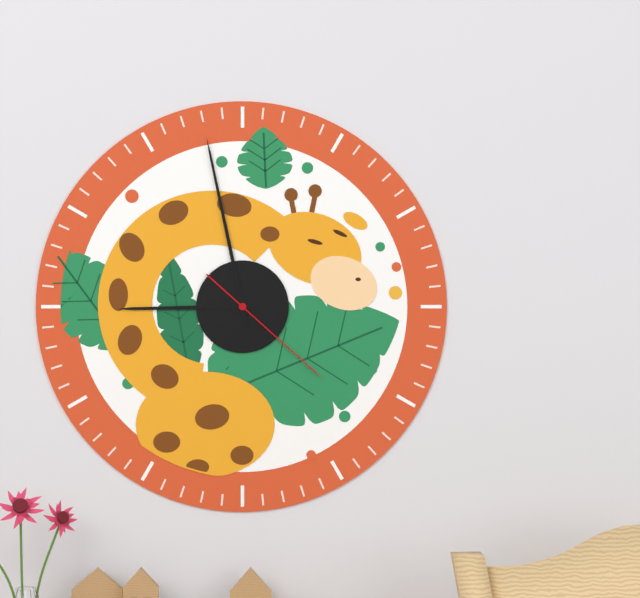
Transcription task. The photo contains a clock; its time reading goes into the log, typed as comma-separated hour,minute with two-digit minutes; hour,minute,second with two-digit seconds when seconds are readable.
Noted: 8,58,22
